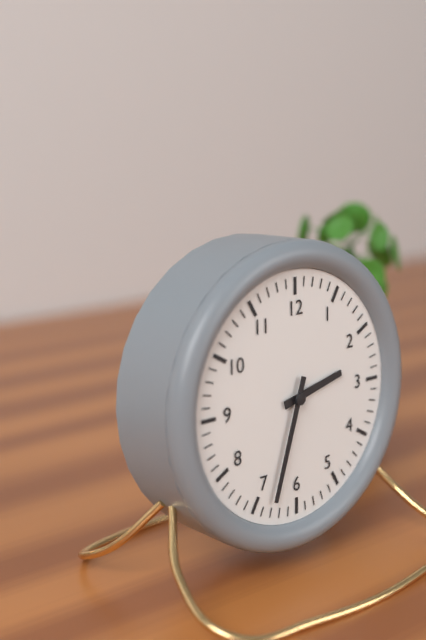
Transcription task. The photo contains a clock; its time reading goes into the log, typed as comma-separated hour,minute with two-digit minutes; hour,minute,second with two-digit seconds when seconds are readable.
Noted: 2,33
